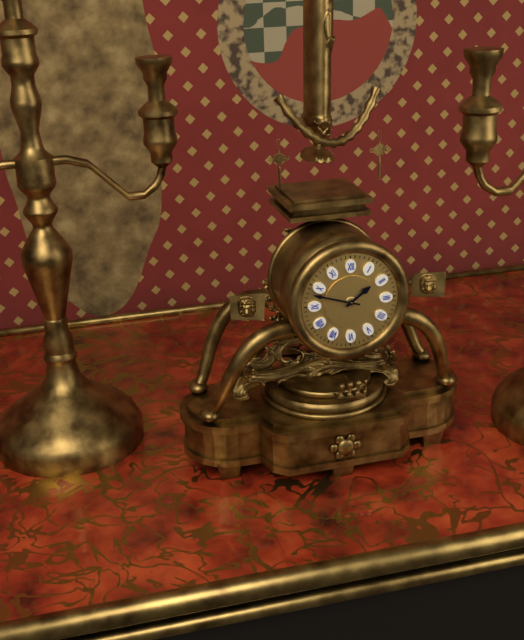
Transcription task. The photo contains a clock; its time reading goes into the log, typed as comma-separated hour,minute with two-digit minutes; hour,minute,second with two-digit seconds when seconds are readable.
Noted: 1,48
